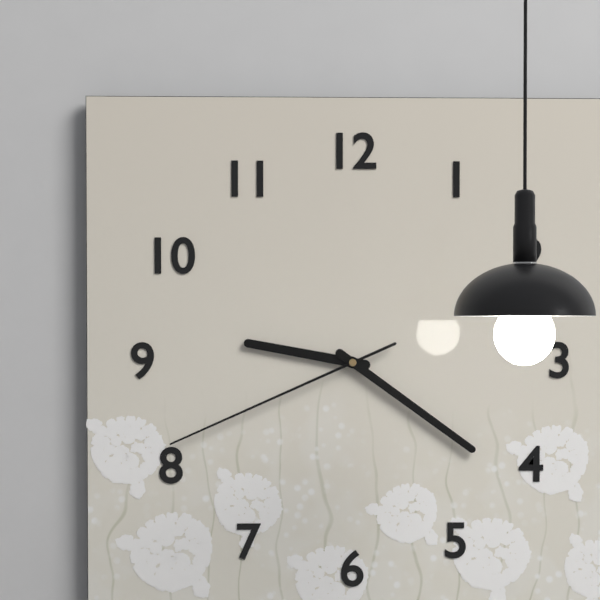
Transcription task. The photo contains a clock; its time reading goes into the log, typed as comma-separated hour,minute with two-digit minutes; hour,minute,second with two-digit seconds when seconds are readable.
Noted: 9,21,41
